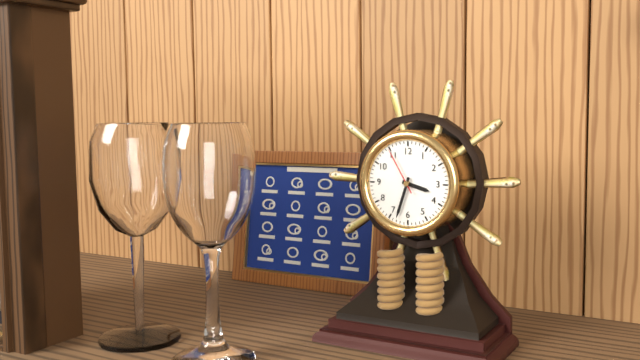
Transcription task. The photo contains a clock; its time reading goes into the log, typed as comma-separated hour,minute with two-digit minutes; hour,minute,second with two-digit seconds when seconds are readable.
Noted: 3,33
